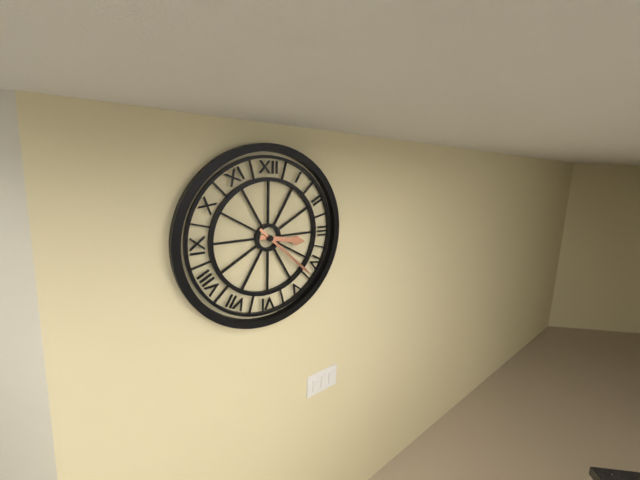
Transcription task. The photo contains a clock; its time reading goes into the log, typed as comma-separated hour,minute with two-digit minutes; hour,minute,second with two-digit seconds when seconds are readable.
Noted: 3,22
